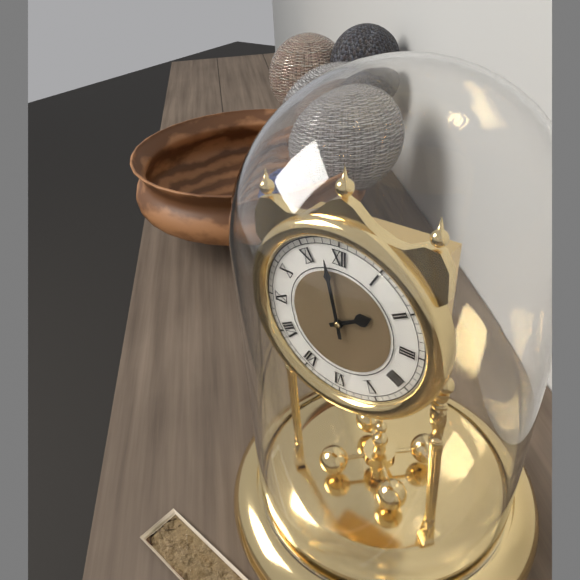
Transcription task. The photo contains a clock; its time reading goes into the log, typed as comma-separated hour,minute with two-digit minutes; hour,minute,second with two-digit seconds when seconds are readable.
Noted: 1,58
